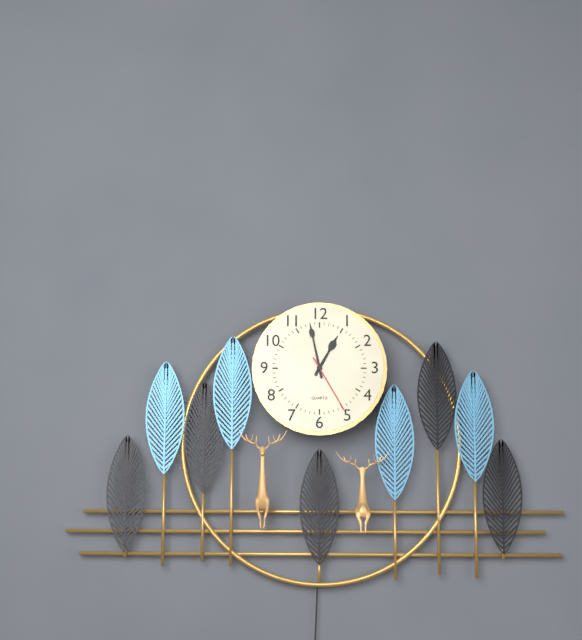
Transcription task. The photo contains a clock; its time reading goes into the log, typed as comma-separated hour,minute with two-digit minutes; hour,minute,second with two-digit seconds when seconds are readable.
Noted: 12,58,25
